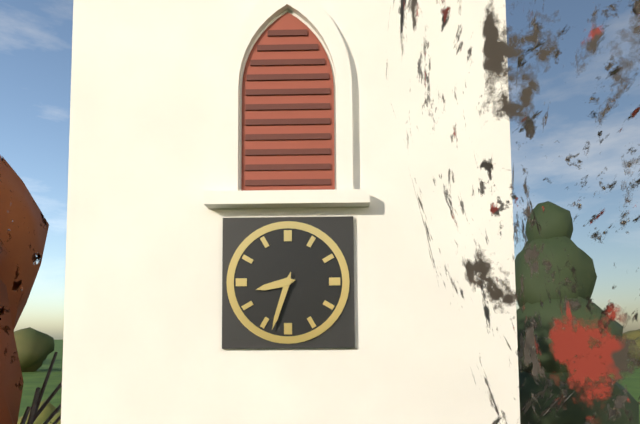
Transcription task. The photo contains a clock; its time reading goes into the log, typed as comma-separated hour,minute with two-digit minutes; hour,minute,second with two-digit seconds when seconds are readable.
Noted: 8,33
